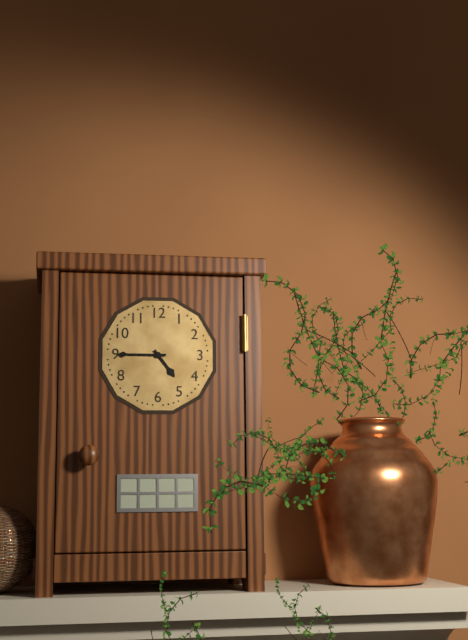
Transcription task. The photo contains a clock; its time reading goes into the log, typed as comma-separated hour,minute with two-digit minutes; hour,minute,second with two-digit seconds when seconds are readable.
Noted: 4,45
